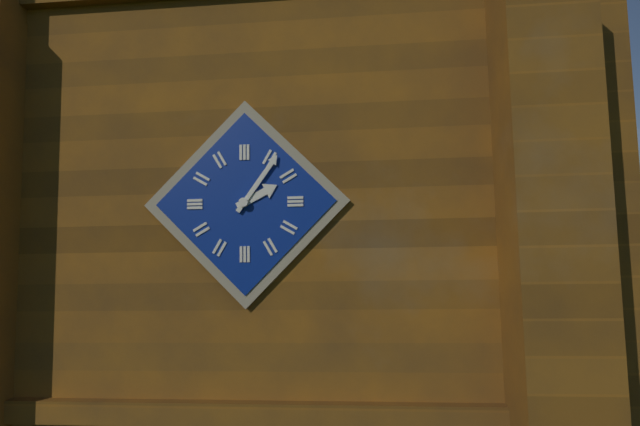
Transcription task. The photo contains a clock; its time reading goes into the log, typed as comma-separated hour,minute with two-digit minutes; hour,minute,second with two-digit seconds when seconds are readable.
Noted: 2,06
